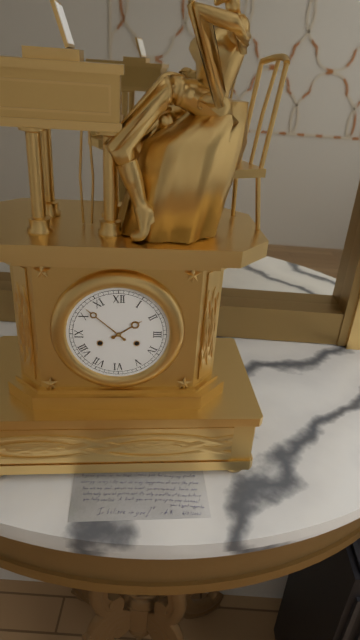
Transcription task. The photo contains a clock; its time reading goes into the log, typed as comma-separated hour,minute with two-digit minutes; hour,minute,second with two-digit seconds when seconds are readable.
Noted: 1,52
